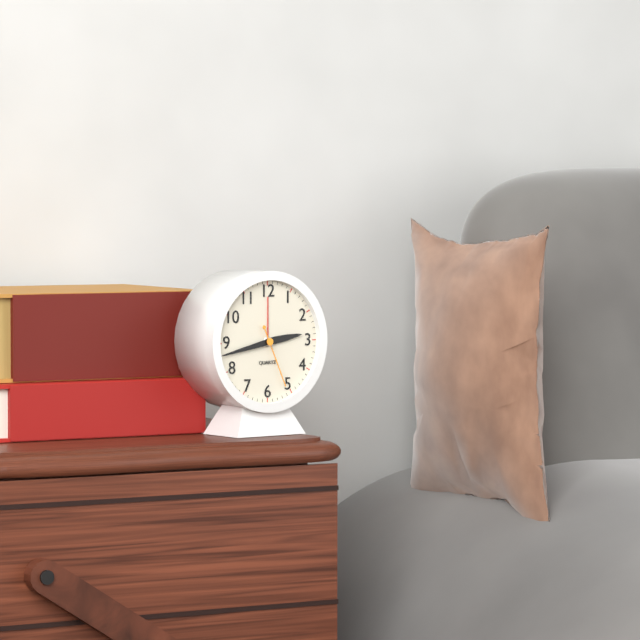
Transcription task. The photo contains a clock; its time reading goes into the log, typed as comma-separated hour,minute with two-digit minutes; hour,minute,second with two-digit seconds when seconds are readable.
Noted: 2,43,26
